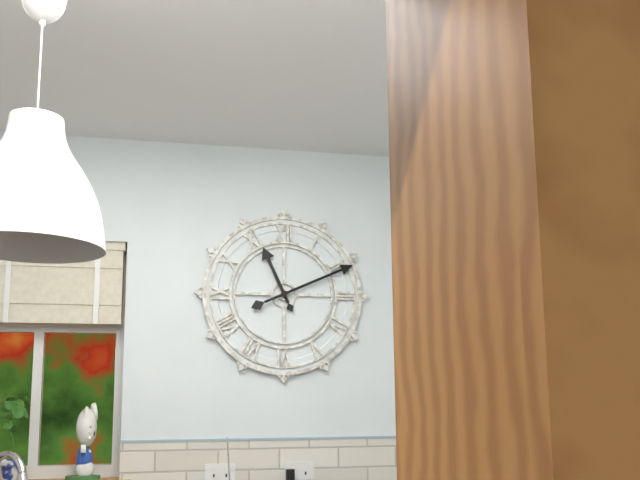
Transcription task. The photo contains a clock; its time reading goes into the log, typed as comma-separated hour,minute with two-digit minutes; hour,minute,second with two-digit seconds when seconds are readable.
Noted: 11,11
